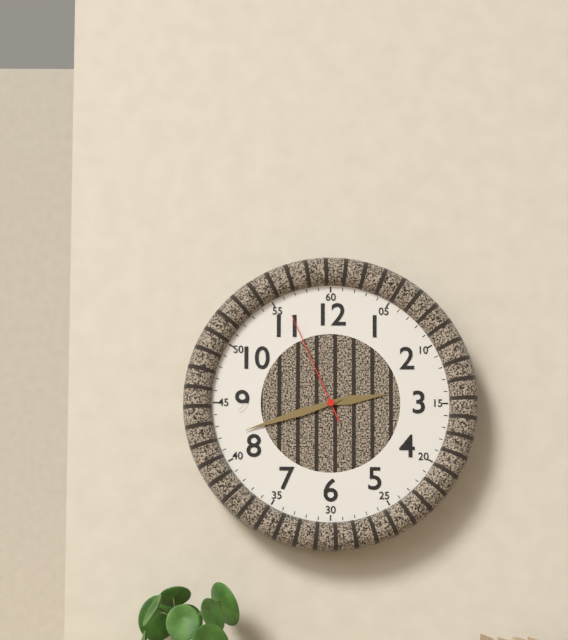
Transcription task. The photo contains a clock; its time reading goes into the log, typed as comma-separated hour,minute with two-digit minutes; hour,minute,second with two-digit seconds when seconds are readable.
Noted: 2,42,56
